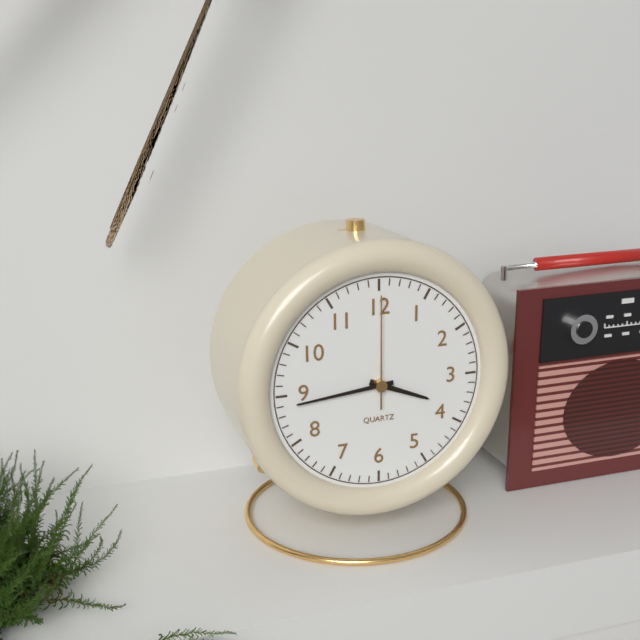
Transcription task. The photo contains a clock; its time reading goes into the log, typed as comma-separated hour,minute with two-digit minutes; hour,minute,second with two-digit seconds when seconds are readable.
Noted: 3,44,00
